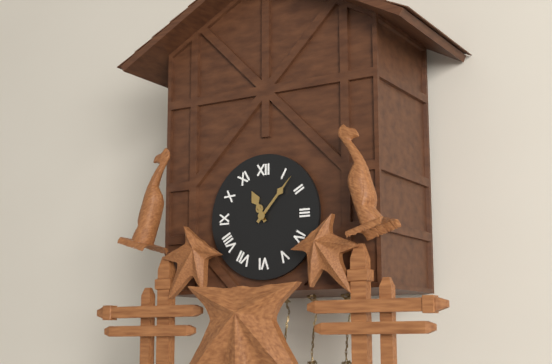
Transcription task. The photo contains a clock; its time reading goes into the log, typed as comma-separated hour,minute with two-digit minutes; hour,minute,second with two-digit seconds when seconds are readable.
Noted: 11,07
